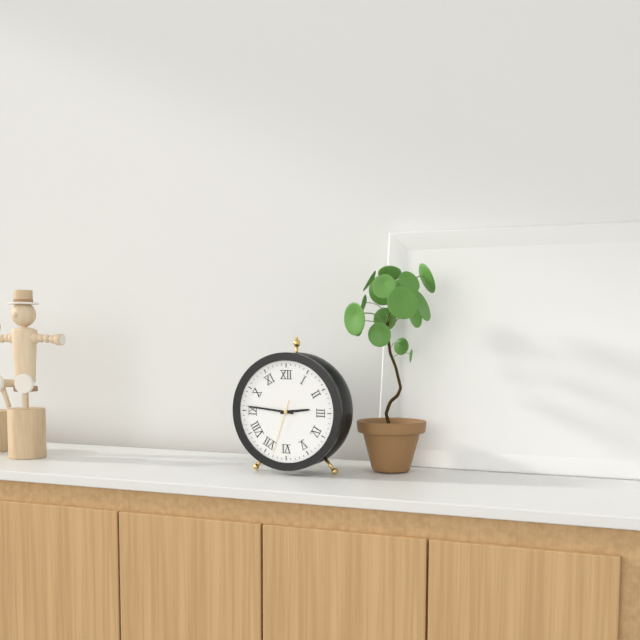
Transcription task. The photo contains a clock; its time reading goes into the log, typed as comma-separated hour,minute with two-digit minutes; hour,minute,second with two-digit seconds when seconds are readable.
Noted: 2,46,33
